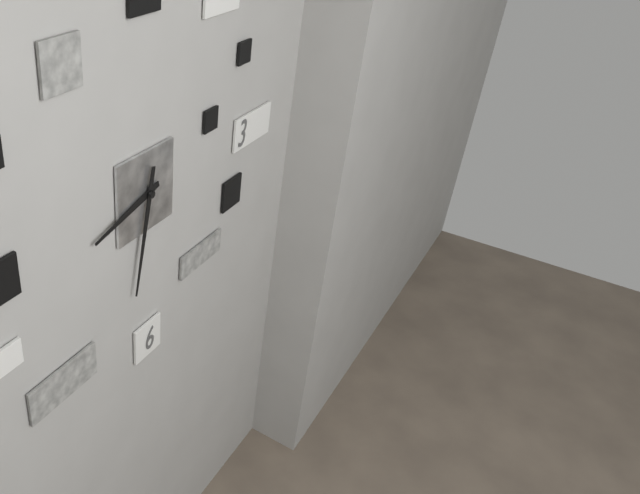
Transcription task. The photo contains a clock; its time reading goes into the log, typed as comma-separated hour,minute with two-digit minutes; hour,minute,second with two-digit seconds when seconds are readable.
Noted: 8,32
